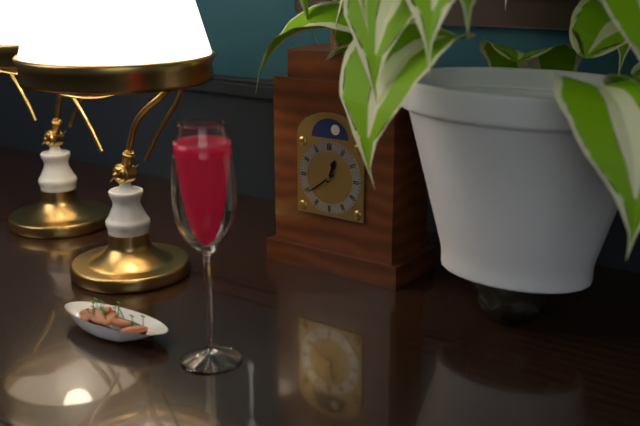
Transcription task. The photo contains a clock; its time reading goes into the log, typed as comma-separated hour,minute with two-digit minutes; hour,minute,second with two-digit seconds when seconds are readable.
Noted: 12,39
